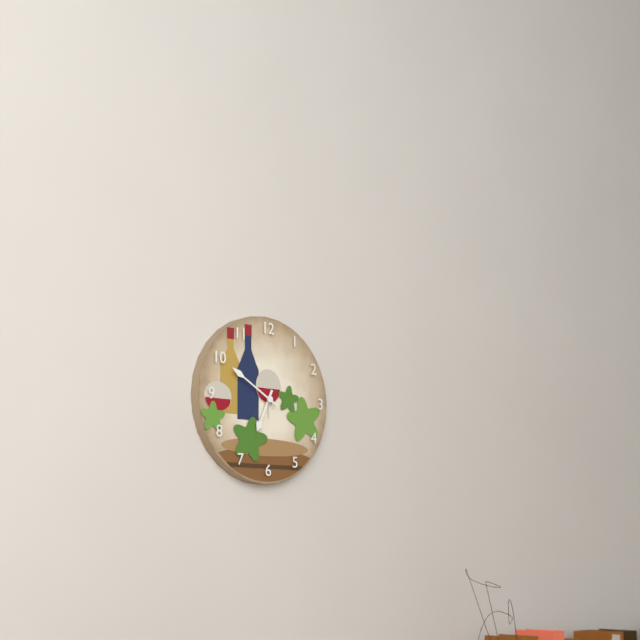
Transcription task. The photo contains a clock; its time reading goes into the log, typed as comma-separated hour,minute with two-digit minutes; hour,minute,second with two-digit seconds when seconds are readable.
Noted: 6,50
